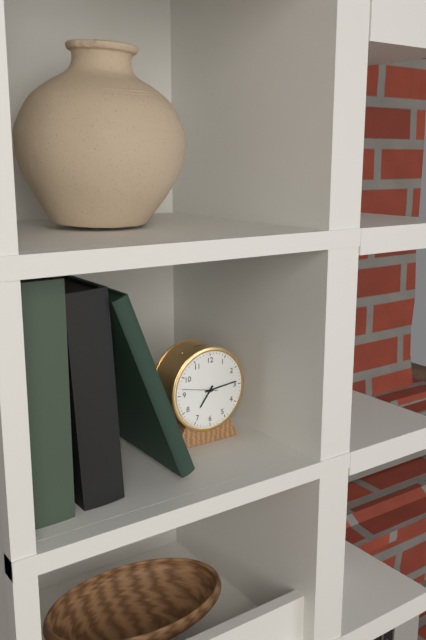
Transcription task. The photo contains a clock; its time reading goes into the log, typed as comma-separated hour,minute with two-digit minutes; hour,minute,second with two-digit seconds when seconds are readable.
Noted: 7,14
